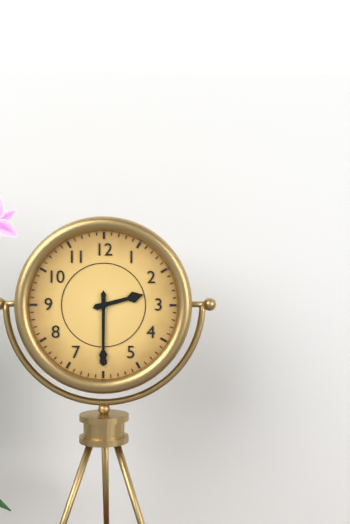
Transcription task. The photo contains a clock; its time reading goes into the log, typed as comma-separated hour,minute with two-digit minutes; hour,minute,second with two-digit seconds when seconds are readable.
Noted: 2,30
